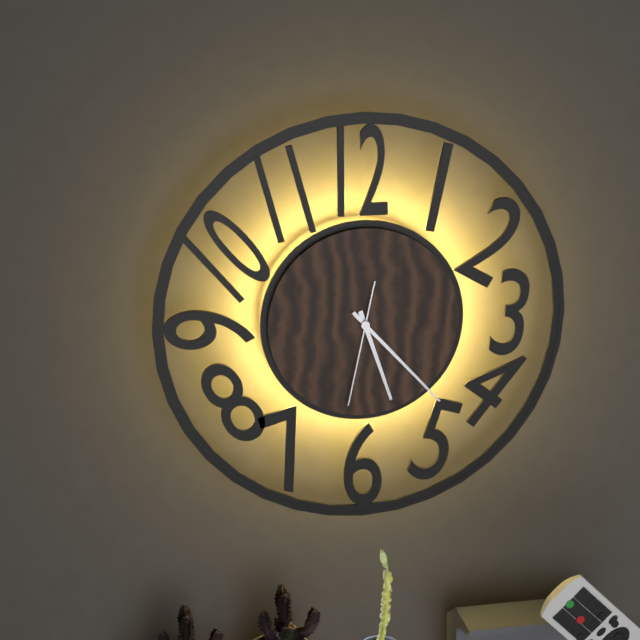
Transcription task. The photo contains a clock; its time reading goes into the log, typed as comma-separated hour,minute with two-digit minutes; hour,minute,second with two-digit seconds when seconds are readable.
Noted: 5,23,32
